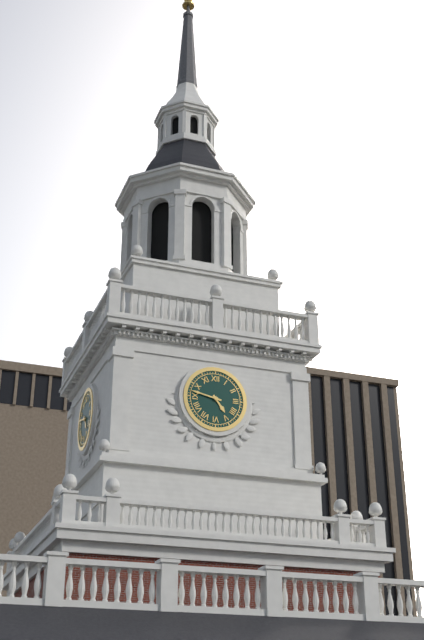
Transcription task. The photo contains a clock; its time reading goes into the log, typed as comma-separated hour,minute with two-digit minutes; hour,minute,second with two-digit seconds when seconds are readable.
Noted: 4,47
